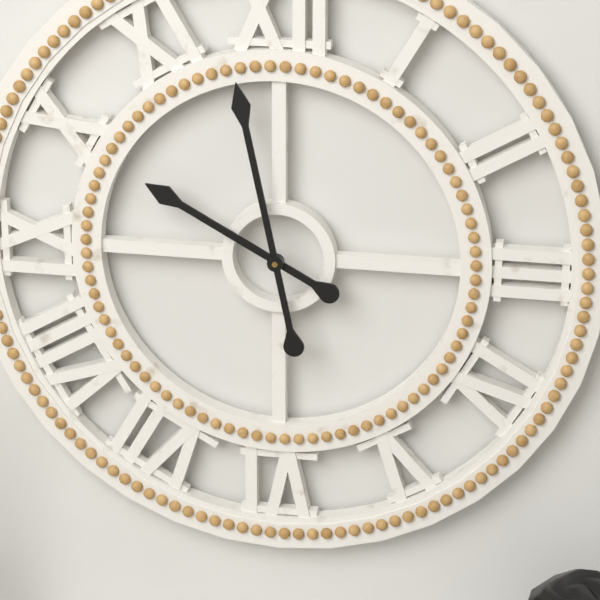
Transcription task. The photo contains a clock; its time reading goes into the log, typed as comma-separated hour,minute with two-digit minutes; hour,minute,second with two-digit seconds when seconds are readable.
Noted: 9,58
